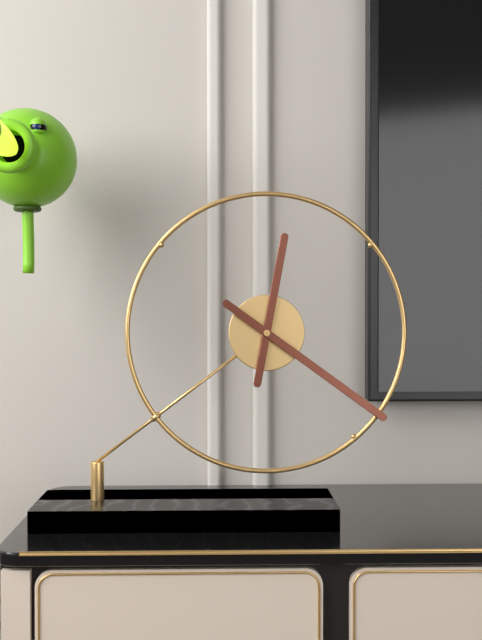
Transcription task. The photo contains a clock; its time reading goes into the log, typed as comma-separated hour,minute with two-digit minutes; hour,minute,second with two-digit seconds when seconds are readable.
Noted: 12,21
